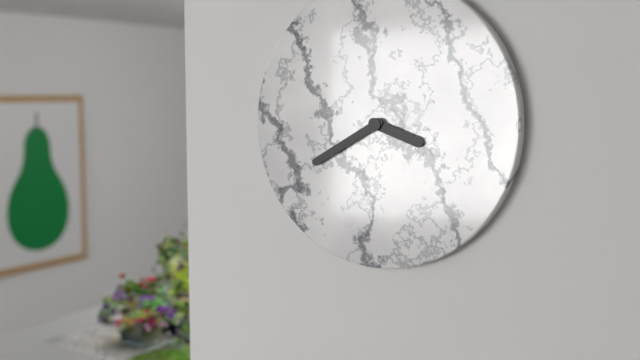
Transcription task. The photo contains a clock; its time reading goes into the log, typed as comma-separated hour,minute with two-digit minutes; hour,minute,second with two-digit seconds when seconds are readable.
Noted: 3,40
